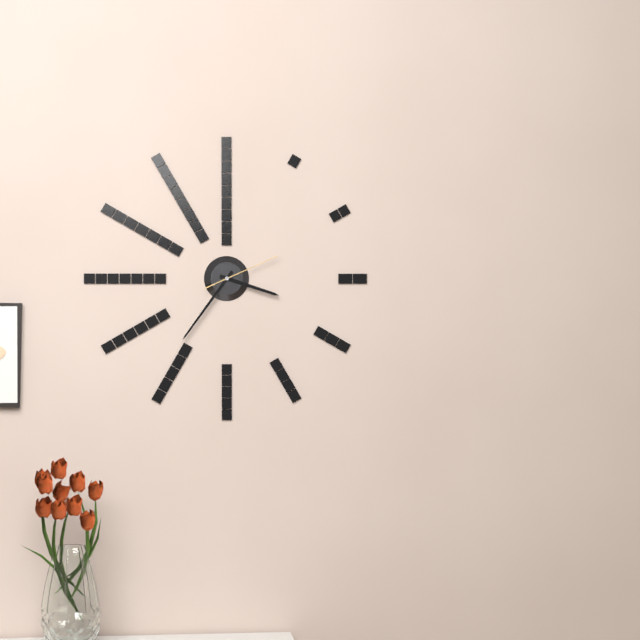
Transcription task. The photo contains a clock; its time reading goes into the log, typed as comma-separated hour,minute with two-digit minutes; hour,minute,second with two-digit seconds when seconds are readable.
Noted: 3,36,11
